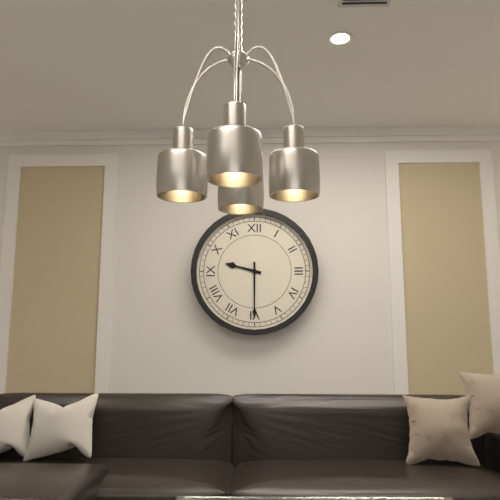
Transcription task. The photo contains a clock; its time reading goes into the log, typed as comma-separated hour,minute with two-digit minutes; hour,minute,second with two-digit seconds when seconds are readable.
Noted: 9,30
